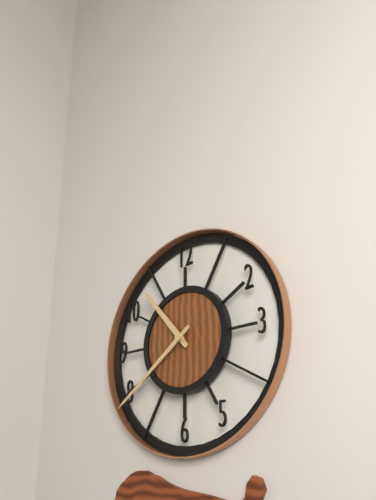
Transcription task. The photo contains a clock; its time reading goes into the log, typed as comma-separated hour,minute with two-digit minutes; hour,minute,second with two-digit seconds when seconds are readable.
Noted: 10,39
